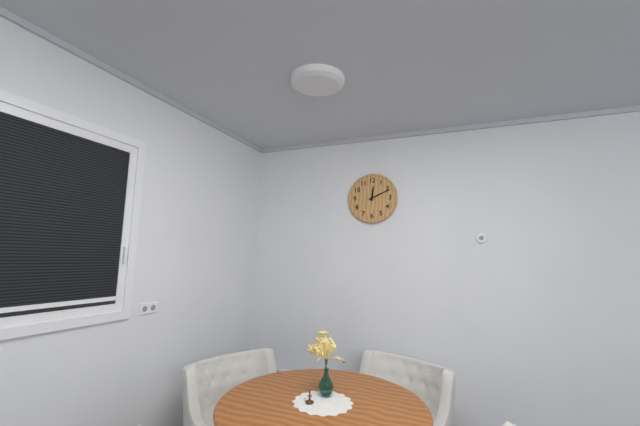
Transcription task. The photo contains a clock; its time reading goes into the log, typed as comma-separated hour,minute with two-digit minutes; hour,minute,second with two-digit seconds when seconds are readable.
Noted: 12,11
